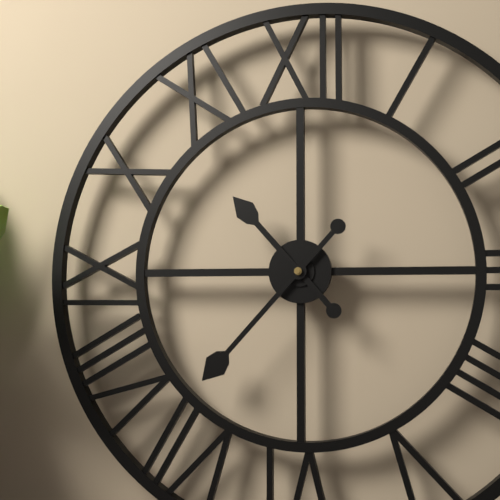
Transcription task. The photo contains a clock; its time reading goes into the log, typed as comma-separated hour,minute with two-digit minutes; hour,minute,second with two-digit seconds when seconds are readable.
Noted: 10,37
